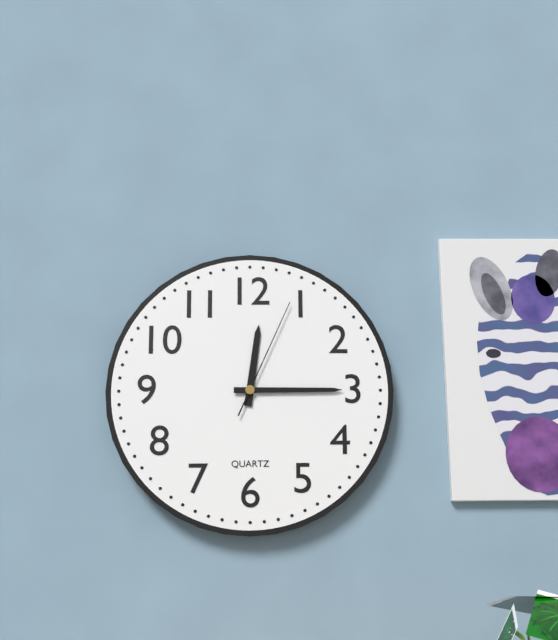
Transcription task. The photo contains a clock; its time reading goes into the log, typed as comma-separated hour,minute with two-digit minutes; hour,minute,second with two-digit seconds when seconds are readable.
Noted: 12,15,04
